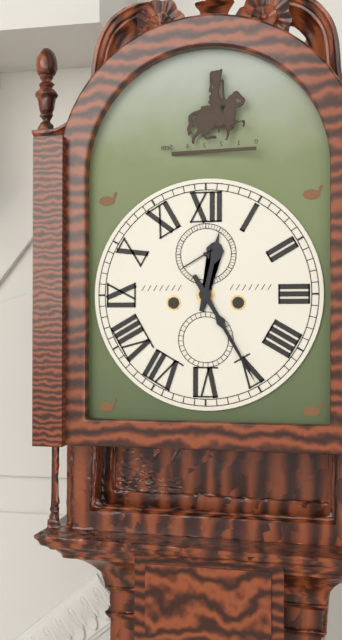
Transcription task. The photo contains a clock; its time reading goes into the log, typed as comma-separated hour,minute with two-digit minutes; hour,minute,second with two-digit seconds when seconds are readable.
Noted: 12,25
